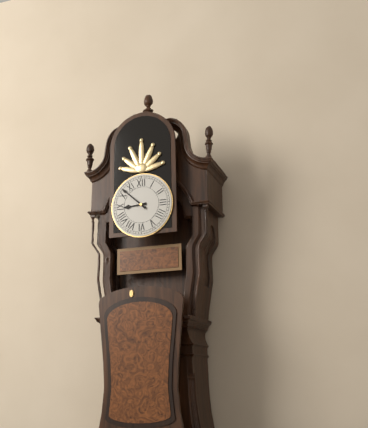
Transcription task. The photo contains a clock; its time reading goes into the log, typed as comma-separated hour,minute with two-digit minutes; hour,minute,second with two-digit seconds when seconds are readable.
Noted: 8,52
